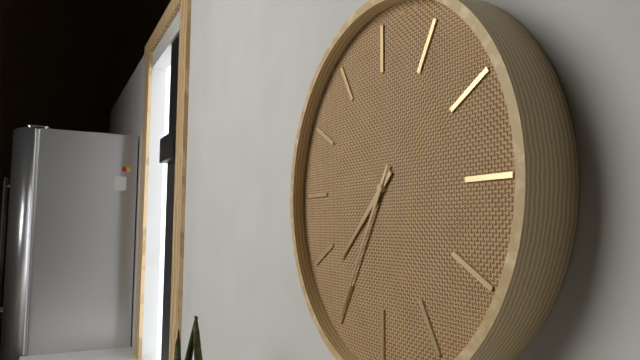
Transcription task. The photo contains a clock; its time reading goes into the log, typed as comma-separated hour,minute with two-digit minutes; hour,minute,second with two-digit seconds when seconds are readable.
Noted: 7,35
